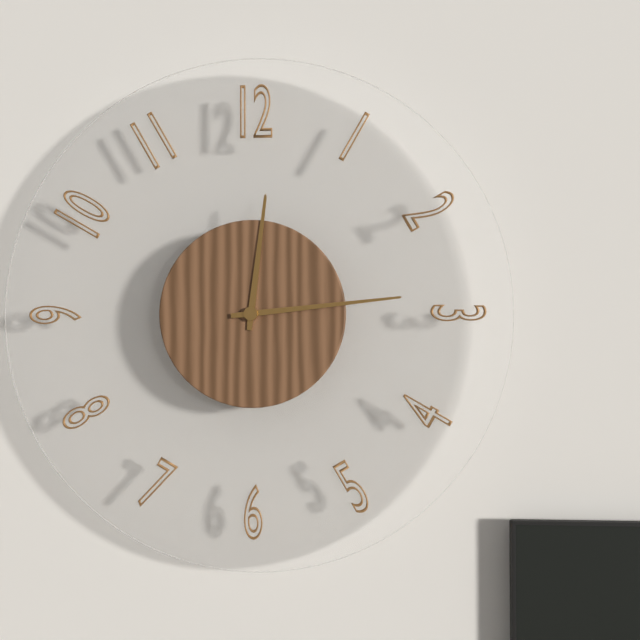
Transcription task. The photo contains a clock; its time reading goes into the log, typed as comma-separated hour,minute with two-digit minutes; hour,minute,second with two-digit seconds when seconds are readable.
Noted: 12,14
